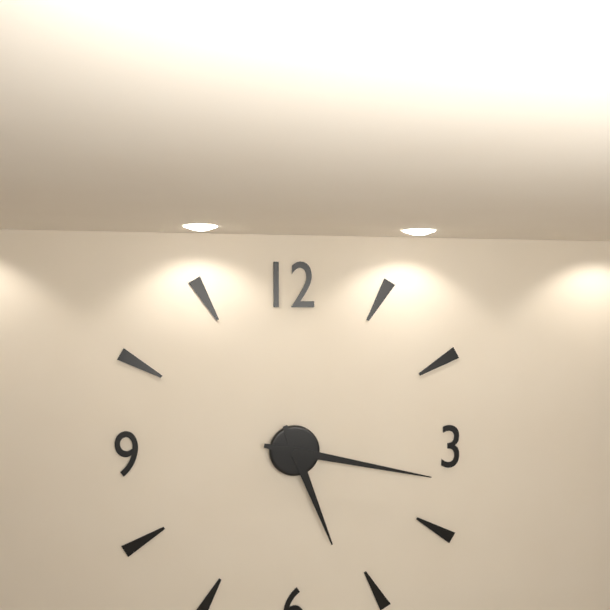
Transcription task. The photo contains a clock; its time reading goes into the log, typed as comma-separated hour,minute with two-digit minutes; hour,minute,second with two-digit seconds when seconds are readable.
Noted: 5,17
